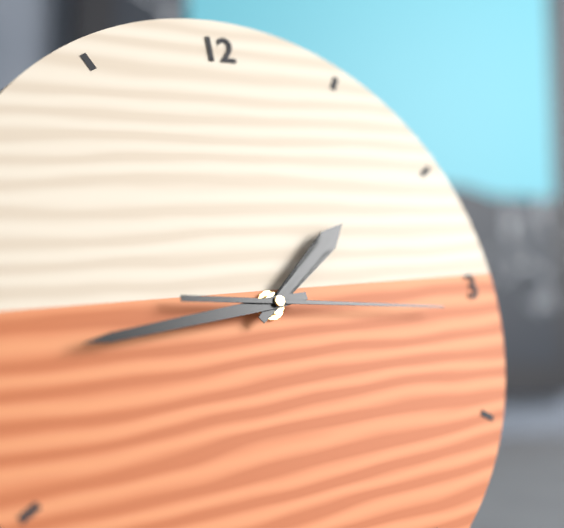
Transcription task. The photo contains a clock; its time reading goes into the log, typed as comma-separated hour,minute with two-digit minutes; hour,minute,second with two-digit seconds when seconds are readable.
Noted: 1,44,16
